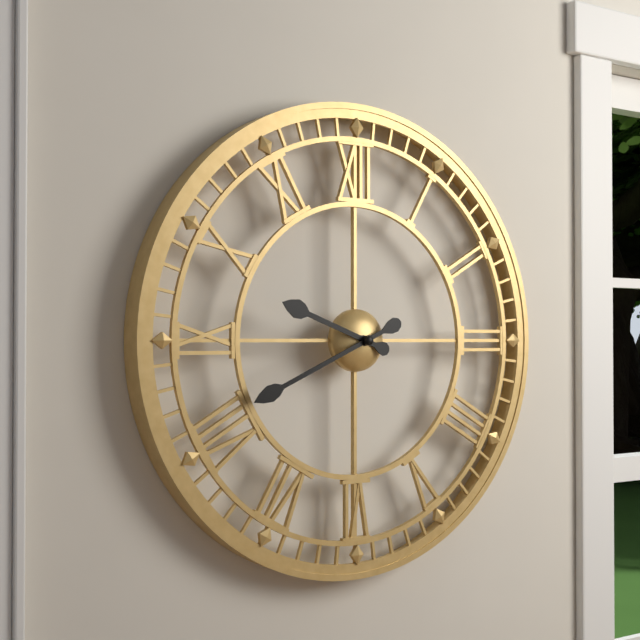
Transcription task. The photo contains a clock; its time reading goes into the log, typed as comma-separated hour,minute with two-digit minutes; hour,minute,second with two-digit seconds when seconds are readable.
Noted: 9,41
